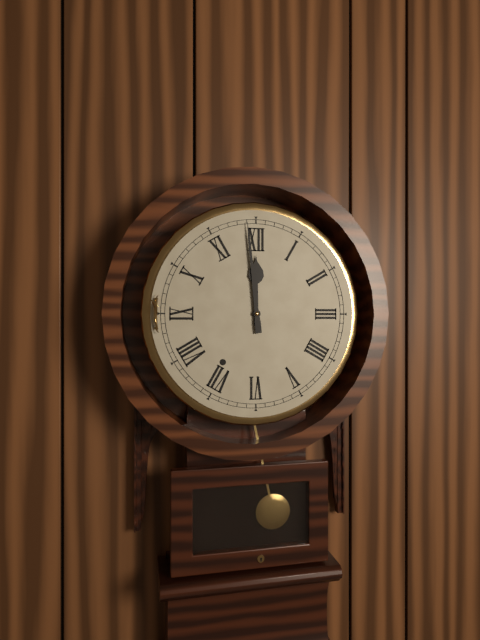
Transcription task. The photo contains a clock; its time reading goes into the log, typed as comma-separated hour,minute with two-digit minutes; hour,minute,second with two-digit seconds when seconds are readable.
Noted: 11,59
